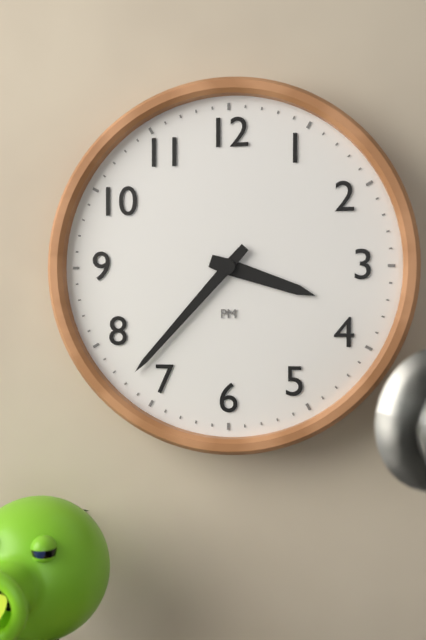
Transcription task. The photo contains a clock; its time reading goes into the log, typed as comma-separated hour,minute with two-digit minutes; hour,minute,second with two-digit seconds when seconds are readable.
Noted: 3,37
